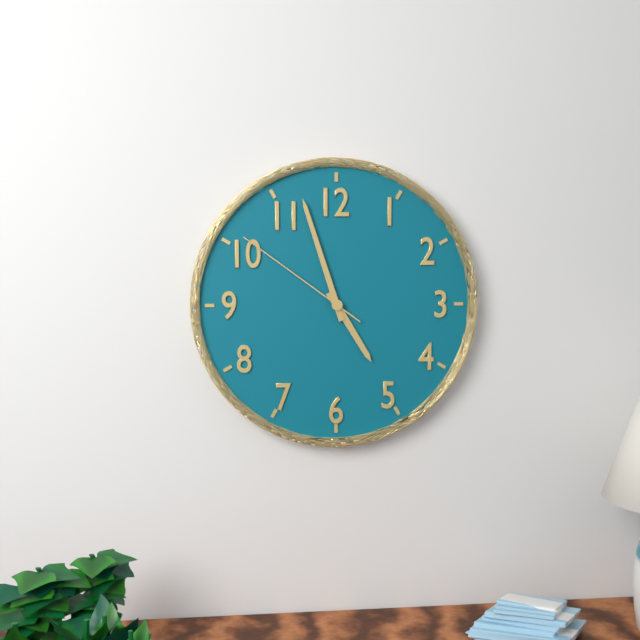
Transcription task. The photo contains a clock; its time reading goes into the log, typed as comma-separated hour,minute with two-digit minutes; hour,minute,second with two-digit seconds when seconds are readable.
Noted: 4,57,51
